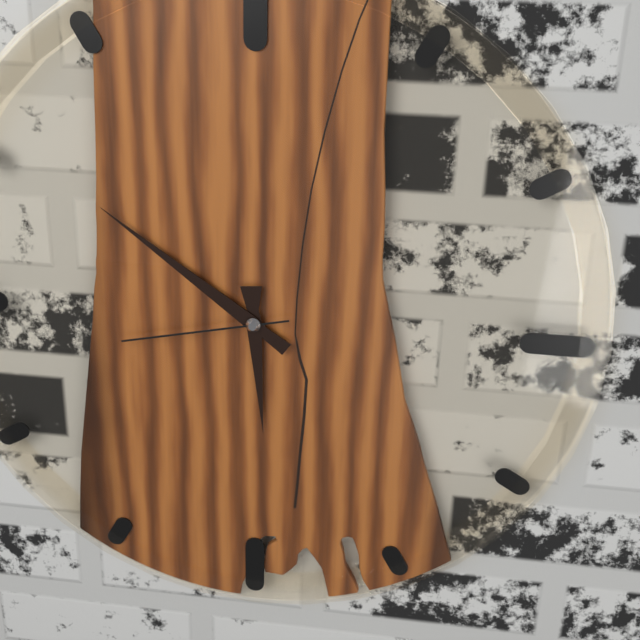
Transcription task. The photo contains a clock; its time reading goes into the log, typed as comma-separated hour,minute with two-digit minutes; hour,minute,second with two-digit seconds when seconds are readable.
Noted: 5,51,43
